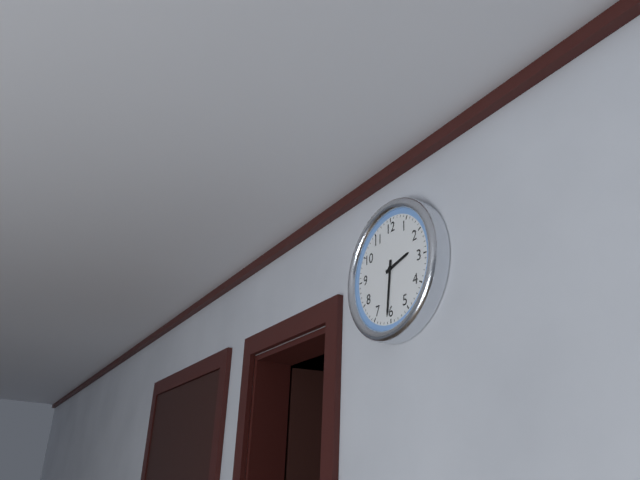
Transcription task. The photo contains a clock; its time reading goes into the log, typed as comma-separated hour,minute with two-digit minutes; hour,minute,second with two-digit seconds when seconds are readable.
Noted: 2,31
